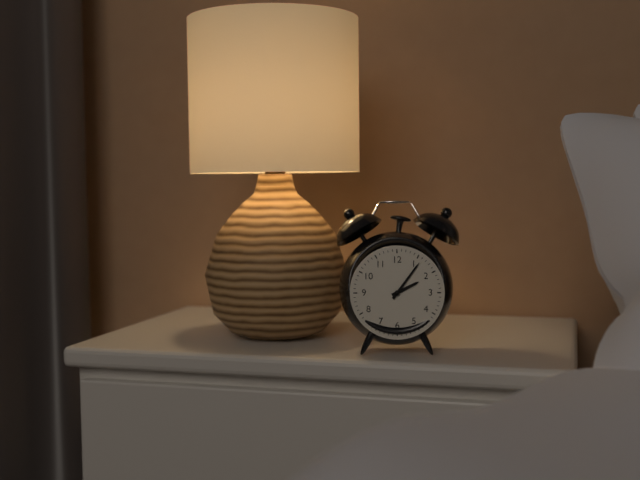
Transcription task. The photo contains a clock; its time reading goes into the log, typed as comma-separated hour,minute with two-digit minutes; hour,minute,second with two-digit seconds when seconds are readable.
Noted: 2,06
